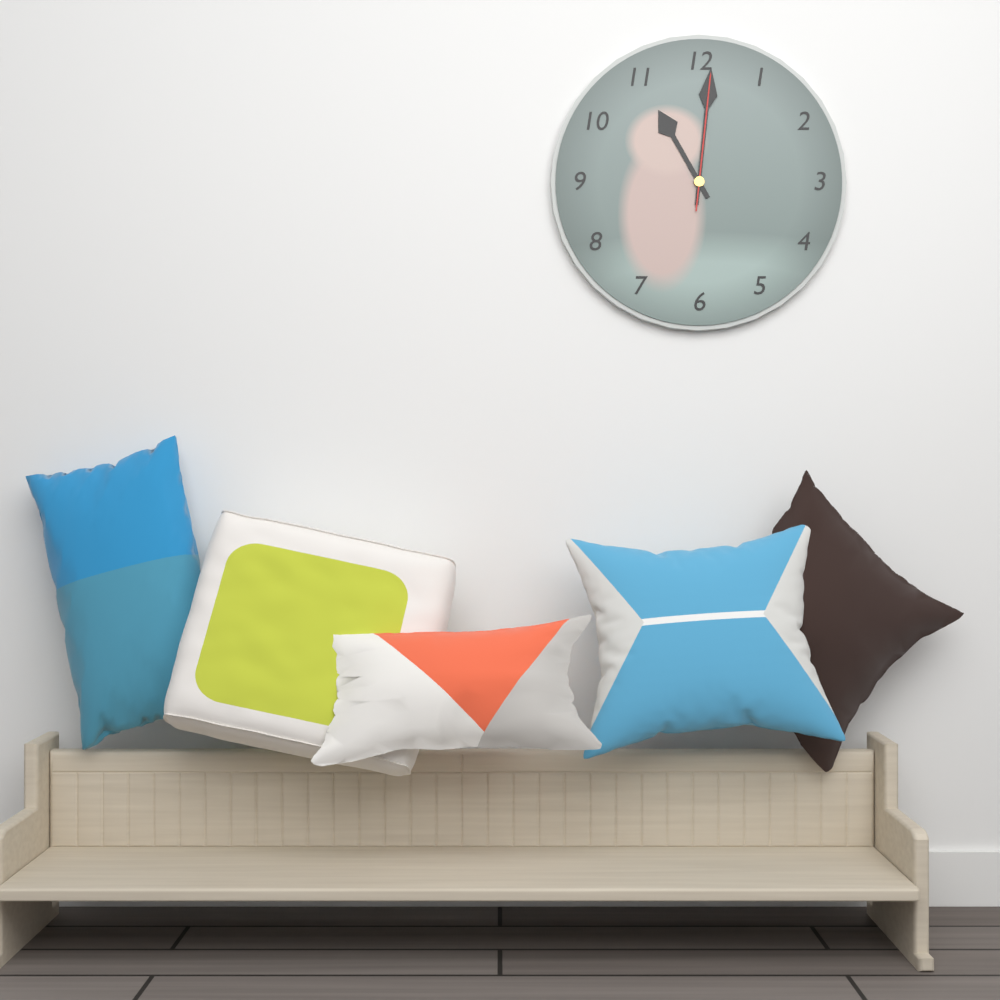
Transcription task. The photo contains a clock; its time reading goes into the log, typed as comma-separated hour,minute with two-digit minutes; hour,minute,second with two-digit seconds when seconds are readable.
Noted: 11,01,01
